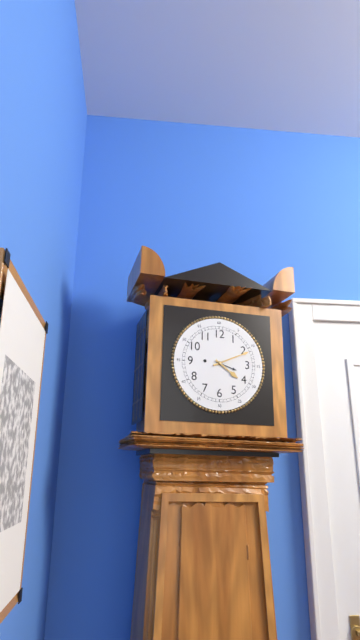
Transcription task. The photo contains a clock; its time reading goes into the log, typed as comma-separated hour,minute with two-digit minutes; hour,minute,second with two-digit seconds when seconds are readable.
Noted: 4,11
